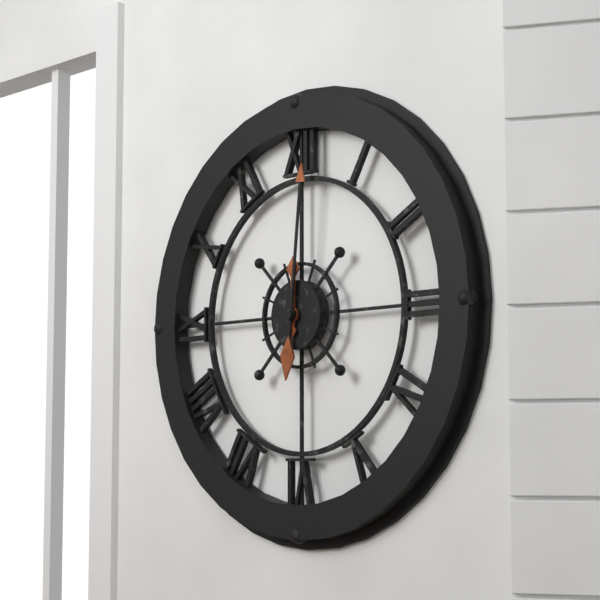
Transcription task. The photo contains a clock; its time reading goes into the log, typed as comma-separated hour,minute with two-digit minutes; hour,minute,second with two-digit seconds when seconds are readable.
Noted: 12,01
